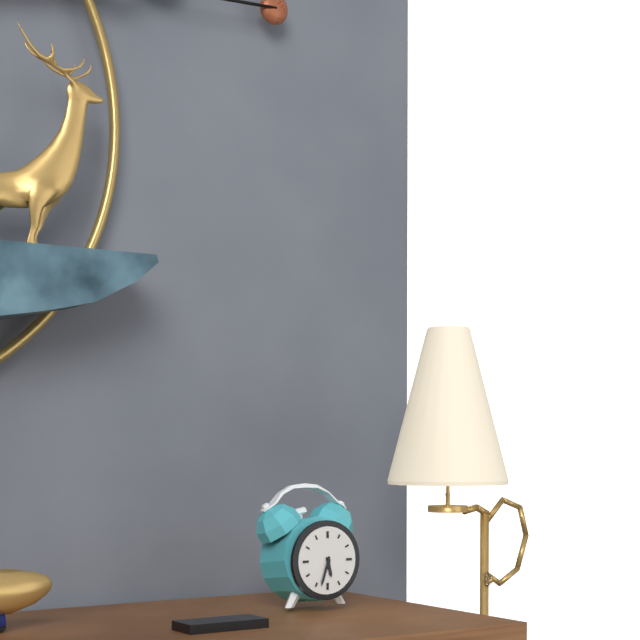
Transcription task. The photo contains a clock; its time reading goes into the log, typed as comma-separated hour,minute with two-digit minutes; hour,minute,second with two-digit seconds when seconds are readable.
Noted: 5,33
